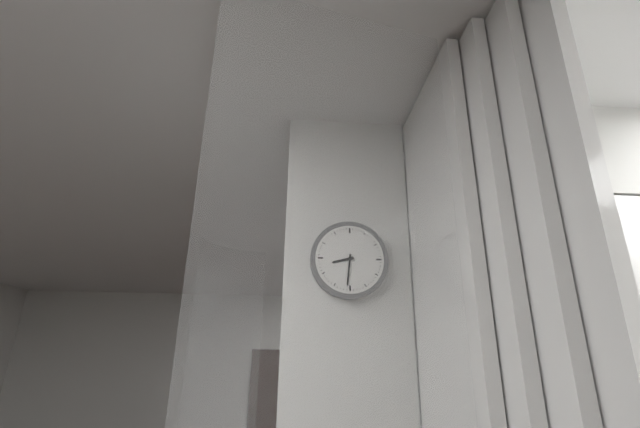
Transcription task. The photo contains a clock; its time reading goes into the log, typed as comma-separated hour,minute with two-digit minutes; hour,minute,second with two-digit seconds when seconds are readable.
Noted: 8,31
